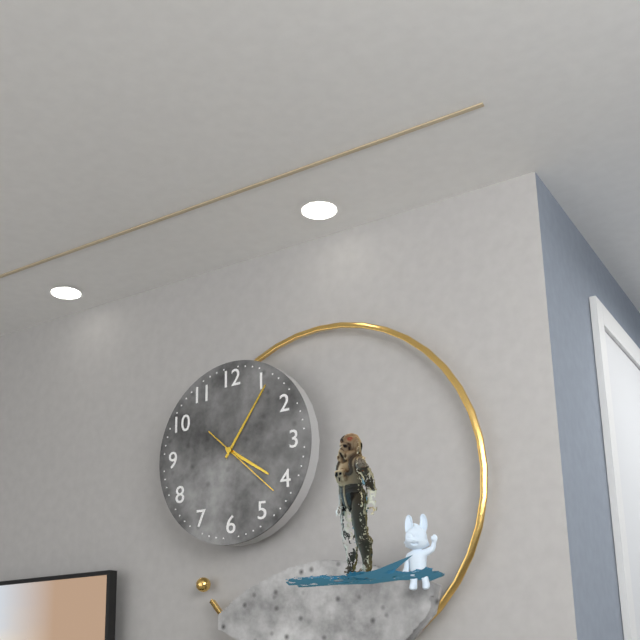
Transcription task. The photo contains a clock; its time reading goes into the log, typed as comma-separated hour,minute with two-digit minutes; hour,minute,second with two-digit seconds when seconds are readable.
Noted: 4,06,22
